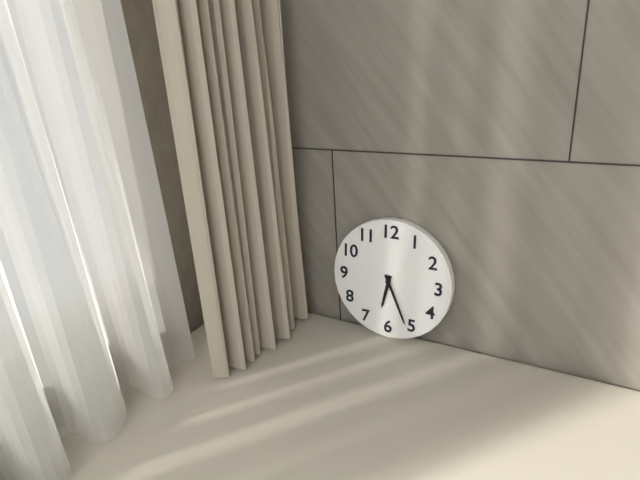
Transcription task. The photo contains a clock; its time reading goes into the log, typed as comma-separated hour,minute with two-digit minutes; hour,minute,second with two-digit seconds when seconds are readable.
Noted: 6,26
